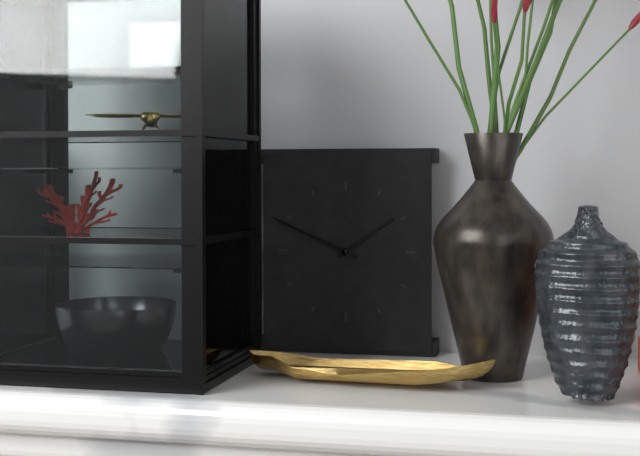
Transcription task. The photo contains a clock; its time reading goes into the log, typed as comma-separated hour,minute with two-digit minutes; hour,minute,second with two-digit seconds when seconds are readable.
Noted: 1,49
